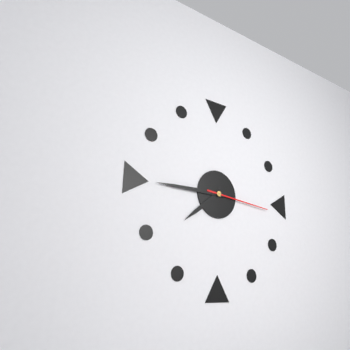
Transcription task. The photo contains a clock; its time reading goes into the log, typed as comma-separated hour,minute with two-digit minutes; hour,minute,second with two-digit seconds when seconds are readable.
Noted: 7,45,16
